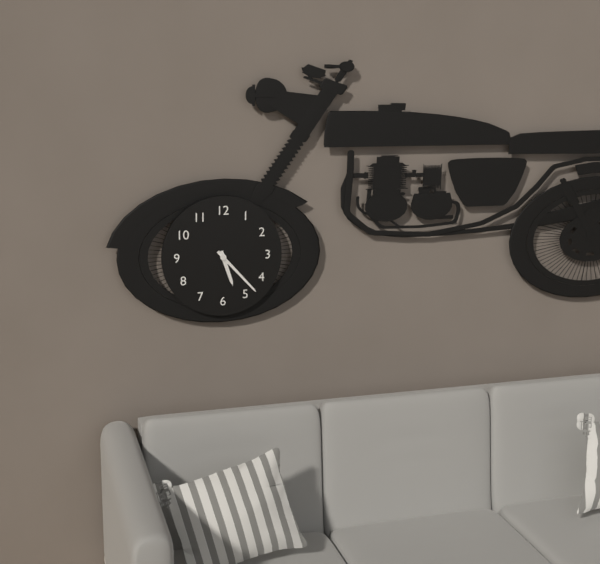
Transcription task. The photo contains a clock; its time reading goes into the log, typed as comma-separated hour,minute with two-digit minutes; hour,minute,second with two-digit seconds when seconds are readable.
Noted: 5,23
